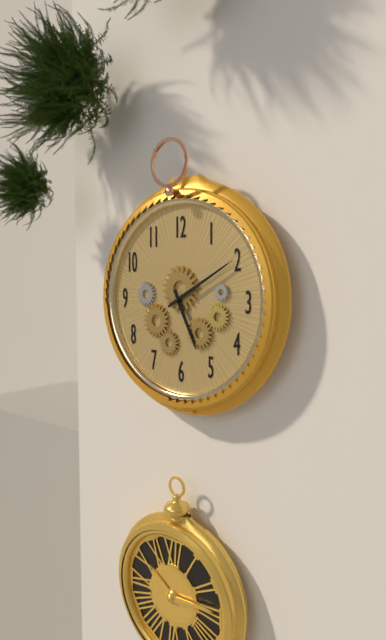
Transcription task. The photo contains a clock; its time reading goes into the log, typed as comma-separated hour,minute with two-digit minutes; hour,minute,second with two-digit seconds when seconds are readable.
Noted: 5,10
